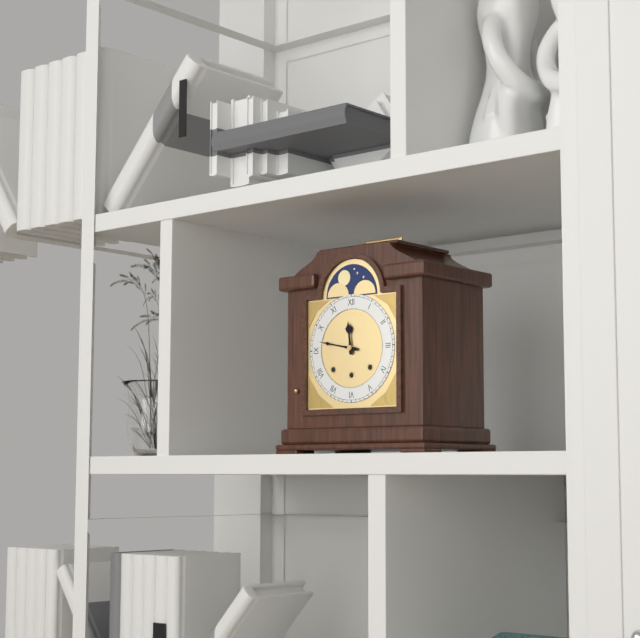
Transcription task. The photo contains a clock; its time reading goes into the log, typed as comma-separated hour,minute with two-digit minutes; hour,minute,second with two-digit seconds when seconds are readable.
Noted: 11,47
